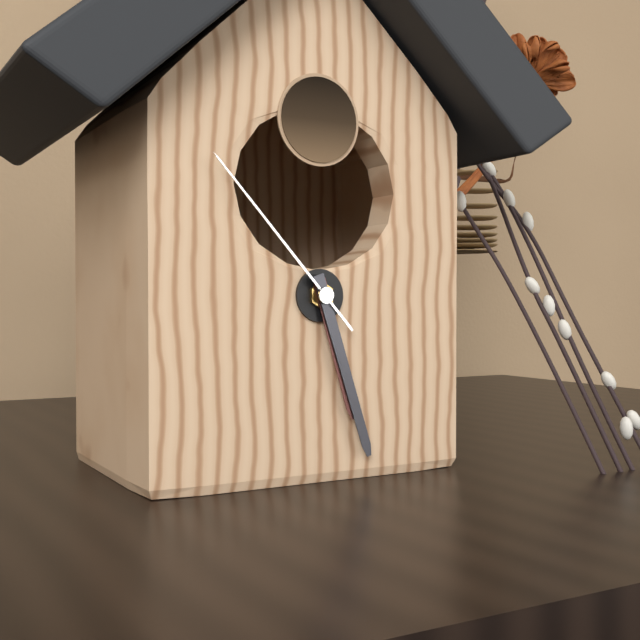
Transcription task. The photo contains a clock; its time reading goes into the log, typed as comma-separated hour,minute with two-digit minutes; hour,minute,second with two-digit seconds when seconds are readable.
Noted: 5,27,53
